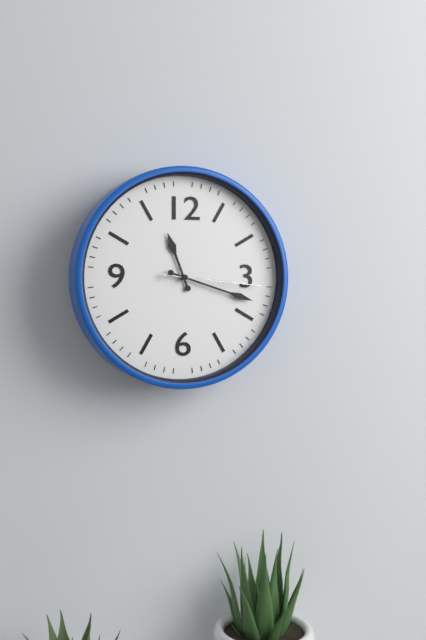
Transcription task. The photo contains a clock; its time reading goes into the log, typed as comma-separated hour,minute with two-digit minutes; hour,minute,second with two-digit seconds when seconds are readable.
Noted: 11,18,16
